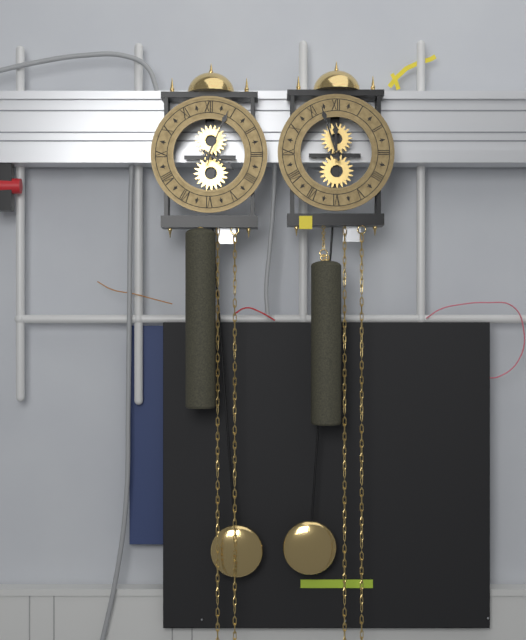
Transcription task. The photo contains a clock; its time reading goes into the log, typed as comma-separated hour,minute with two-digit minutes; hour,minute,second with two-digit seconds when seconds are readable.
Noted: 4,04
